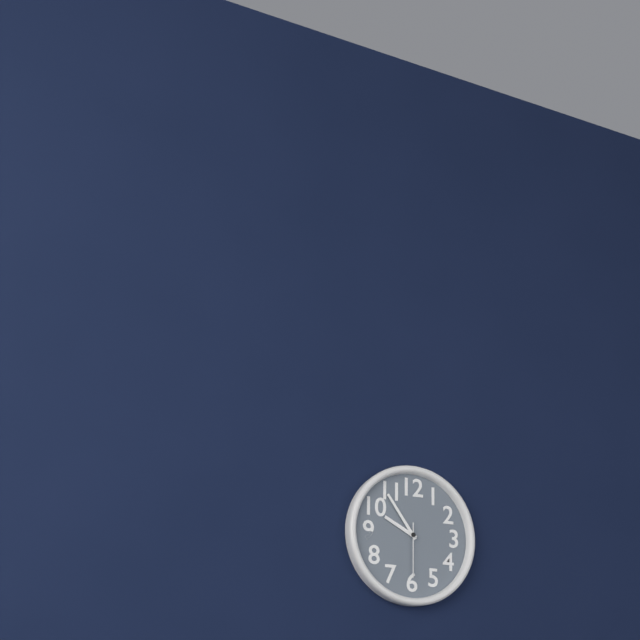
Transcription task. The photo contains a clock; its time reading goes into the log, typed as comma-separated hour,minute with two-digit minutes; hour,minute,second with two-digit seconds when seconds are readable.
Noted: 9,54,30
